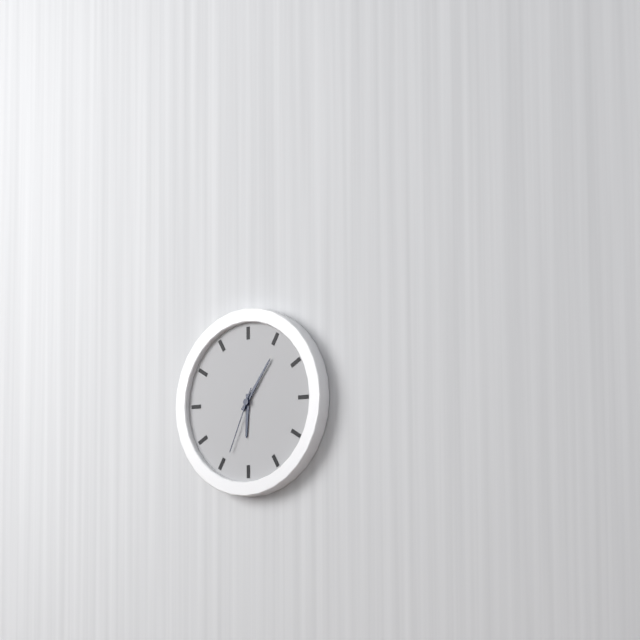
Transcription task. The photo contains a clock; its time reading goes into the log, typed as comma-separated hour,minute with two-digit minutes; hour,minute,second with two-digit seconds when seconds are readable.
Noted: 6,06,34
